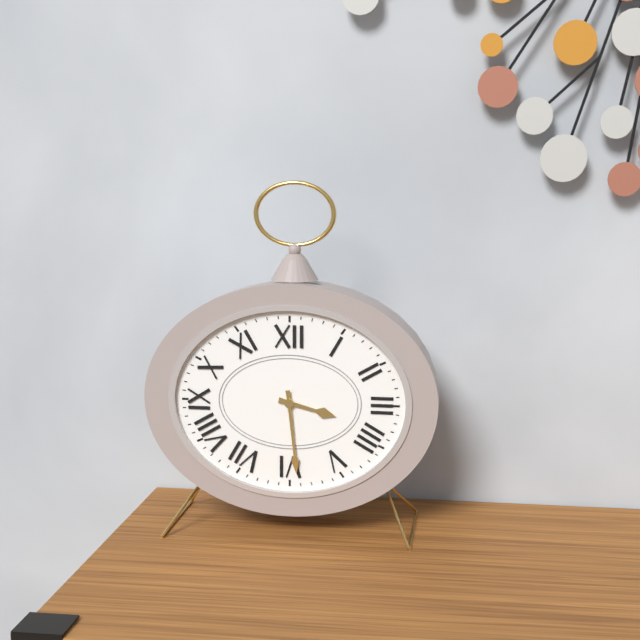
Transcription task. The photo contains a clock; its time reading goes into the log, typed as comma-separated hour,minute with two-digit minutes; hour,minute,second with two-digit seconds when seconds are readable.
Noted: 3,29
